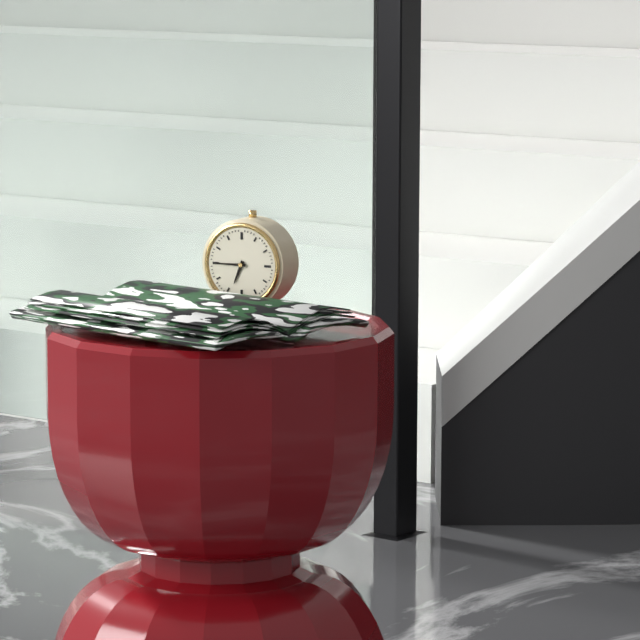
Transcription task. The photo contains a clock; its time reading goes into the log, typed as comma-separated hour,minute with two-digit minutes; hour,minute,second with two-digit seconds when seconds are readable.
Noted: 6,45
